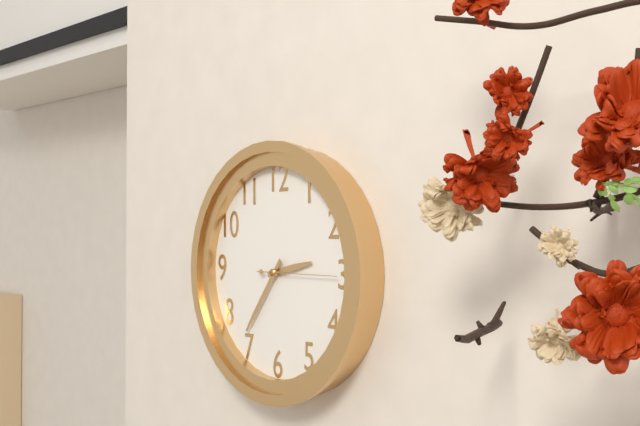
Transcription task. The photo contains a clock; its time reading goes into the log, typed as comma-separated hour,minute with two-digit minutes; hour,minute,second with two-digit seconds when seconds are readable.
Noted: 2,36,15
